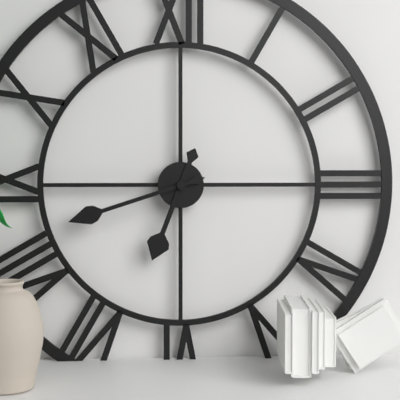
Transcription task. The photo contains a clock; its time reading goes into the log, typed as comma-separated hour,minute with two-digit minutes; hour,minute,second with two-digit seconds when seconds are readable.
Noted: 6,42
